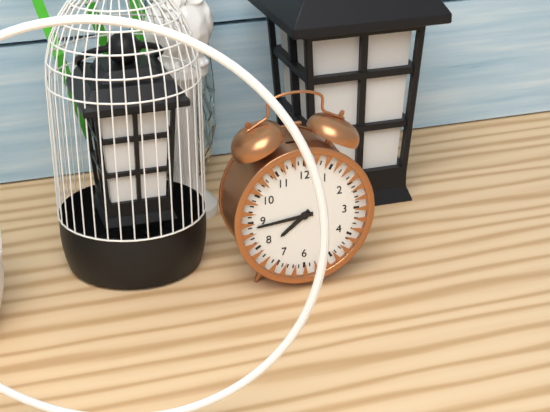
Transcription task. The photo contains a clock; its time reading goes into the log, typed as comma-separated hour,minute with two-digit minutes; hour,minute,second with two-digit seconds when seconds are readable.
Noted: 7,44
